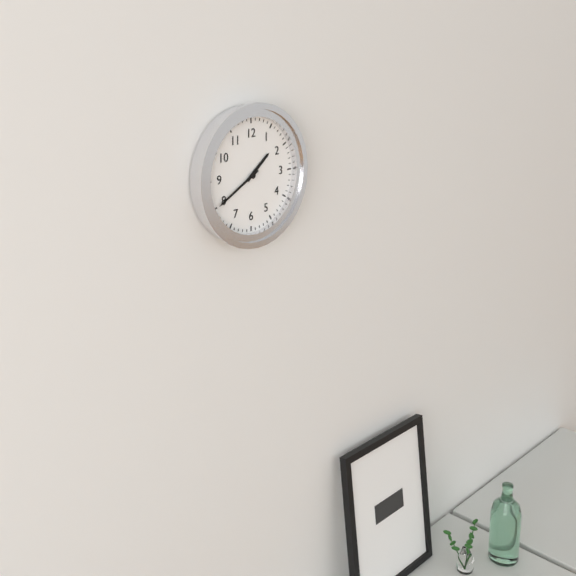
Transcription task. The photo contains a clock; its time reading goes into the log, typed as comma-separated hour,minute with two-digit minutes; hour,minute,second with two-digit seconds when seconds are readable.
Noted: 1,40
